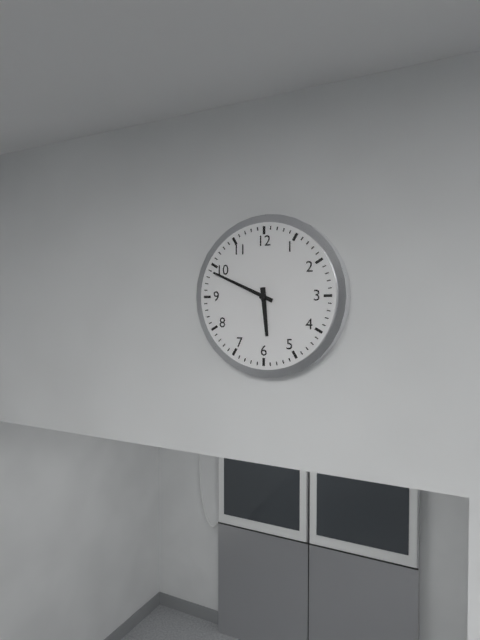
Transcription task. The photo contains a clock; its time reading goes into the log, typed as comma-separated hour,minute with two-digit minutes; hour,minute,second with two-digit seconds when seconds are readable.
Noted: 5,49
